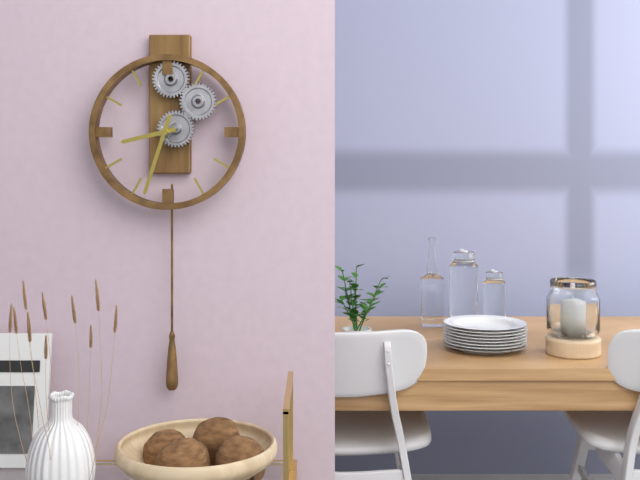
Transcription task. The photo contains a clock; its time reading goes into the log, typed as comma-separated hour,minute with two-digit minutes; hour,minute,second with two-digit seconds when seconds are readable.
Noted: 8,33
